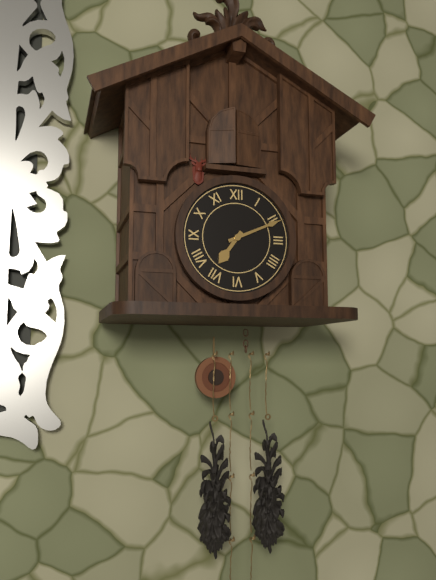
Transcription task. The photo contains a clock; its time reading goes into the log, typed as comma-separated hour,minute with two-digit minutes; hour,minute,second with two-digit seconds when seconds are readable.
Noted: 7,11
